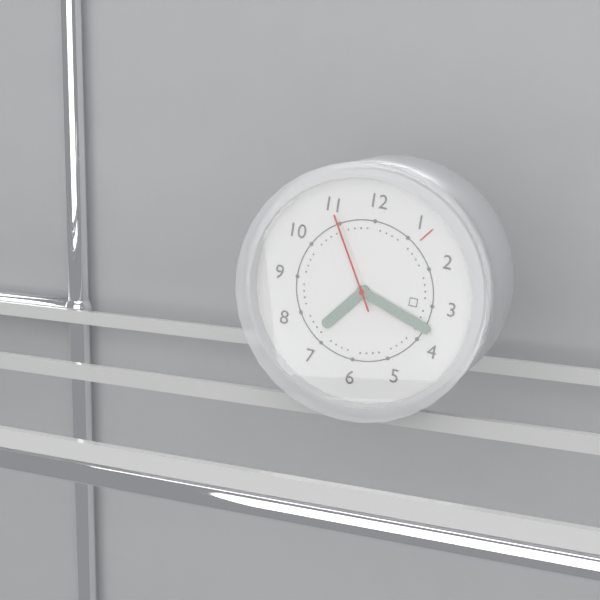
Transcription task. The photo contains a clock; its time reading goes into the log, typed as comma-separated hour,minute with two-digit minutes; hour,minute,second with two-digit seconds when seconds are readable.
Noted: 7,18,55
